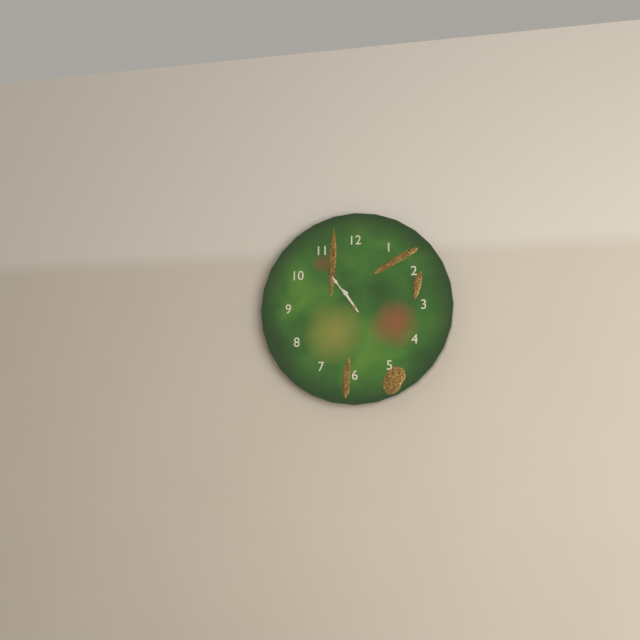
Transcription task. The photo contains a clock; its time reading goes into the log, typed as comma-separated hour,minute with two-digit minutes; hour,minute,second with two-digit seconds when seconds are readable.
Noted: 10,54
